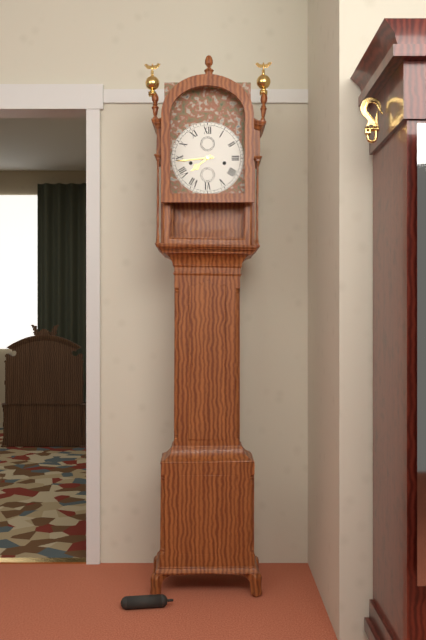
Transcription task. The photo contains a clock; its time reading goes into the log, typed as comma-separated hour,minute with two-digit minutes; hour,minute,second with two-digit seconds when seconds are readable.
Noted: 7,44
